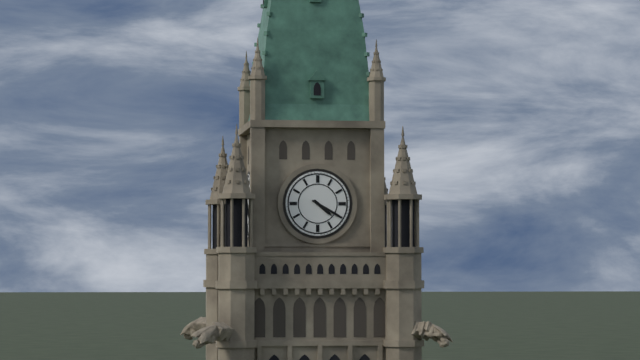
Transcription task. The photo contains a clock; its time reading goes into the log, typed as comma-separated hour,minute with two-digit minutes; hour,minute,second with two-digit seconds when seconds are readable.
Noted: 4,20
